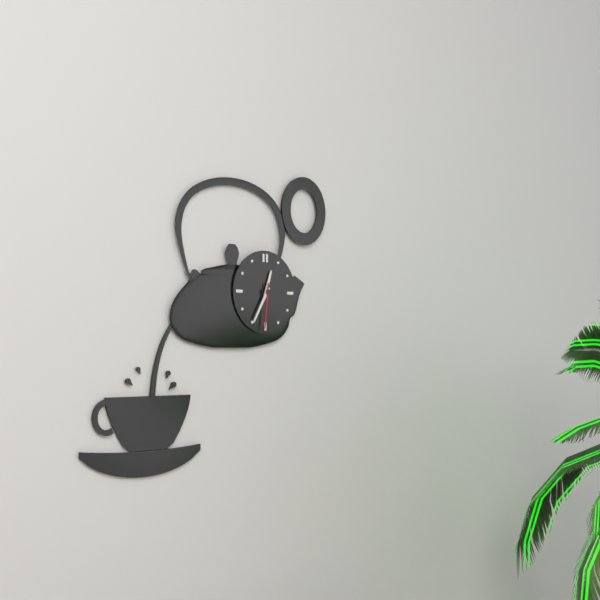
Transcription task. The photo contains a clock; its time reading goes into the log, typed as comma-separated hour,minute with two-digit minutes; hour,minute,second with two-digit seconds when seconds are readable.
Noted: 12,35
